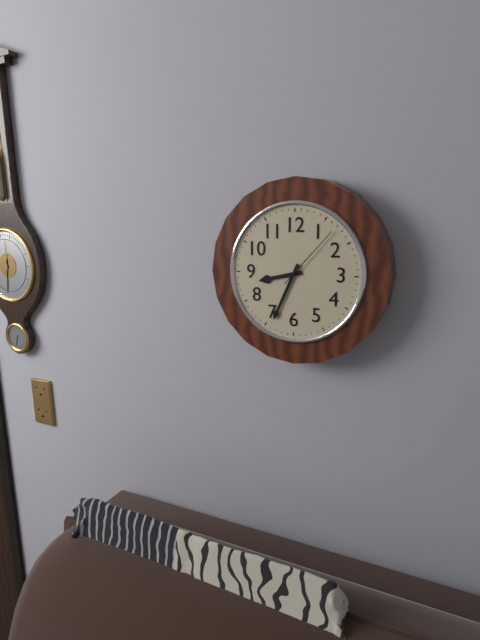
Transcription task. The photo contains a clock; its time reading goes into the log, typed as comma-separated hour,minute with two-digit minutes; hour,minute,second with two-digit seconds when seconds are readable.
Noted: 8,34,07
